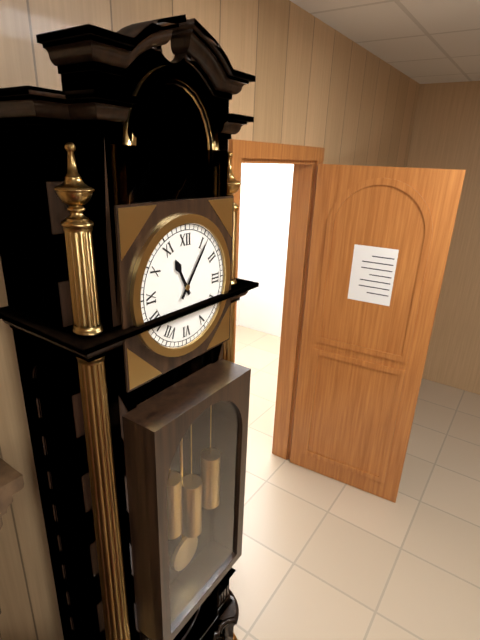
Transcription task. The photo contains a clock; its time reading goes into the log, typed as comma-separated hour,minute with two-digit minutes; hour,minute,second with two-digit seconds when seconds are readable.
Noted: 11,06
